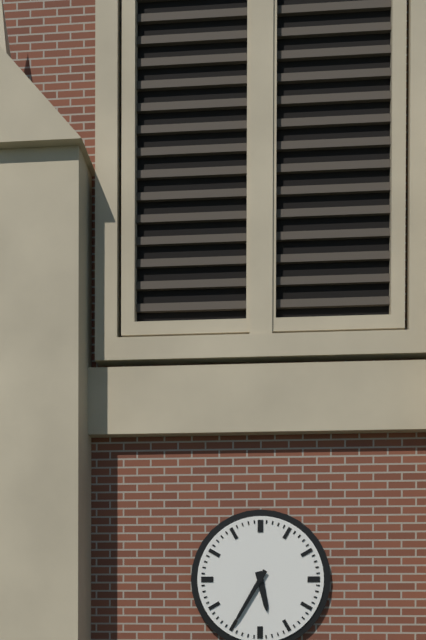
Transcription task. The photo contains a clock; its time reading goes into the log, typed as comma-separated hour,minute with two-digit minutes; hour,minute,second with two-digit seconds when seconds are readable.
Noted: 5,35
